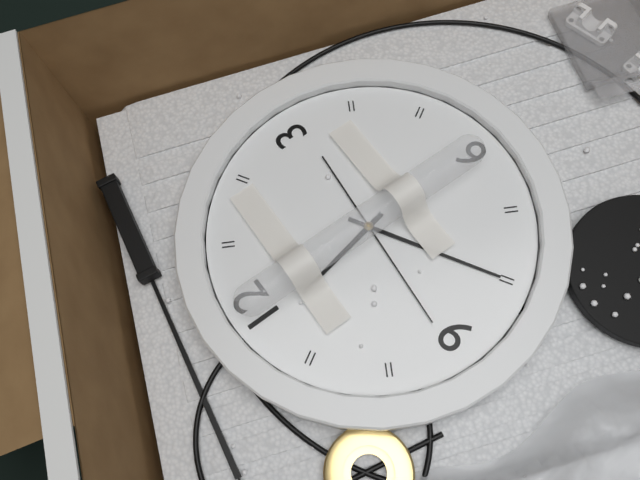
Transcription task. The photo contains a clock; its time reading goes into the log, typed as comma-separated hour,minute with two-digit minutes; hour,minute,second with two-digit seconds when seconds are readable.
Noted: 11,40,46
